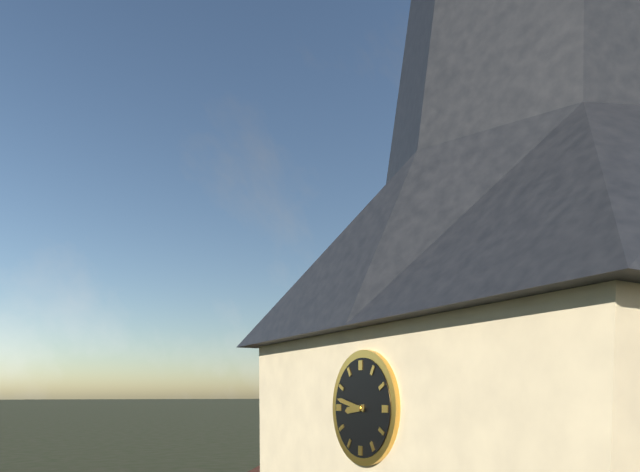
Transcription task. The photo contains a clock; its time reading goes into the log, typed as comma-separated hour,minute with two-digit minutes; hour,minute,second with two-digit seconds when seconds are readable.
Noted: 8,47
